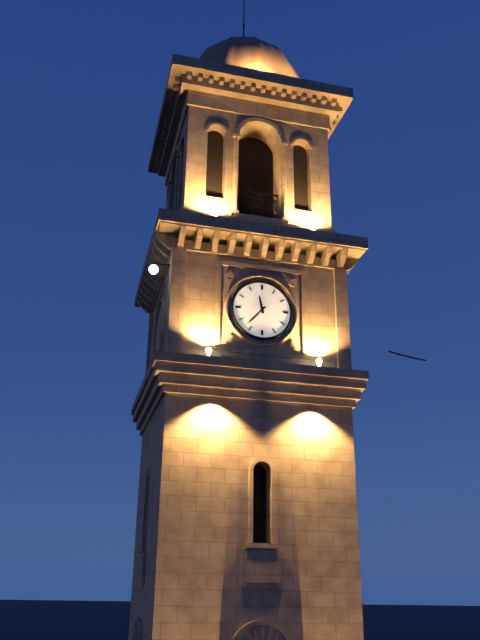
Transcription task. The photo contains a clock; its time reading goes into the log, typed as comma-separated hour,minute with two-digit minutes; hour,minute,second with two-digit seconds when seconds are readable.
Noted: 11,37
